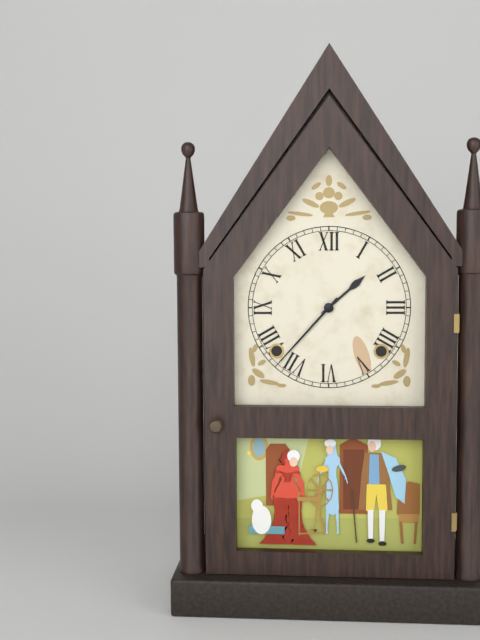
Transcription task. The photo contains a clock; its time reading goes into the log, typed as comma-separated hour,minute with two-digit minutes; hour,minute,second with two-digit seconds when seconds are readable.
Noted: 1,37
